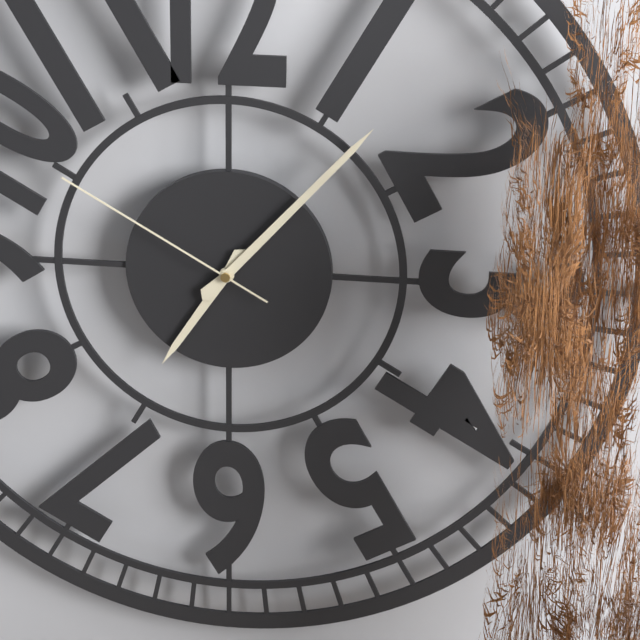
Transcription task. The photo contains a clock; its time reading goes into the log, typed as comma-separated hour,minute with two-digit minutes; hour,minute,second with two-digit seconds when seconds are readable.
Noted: 7,07,50
